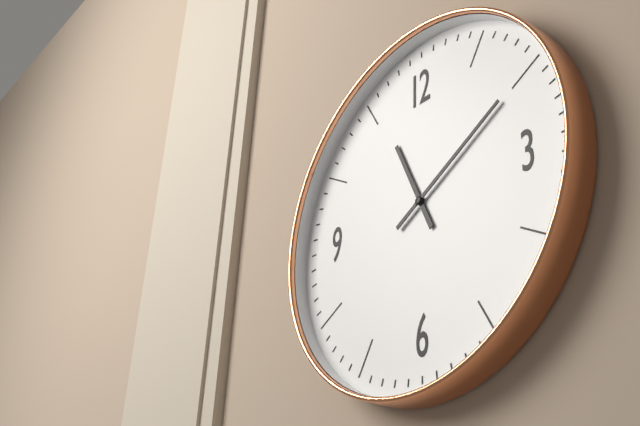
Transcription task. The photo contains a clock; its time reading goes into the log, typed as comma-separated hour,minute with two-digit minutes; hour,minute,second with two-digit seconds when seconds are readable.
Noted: 11,10
